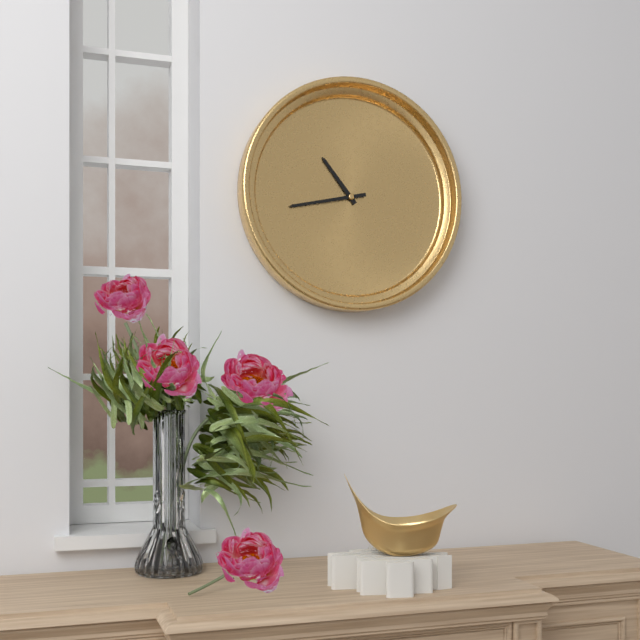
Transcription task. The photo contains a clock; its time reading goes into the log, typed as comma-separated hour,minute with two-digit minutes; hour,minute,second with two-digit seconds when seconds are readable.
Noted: 10,43
